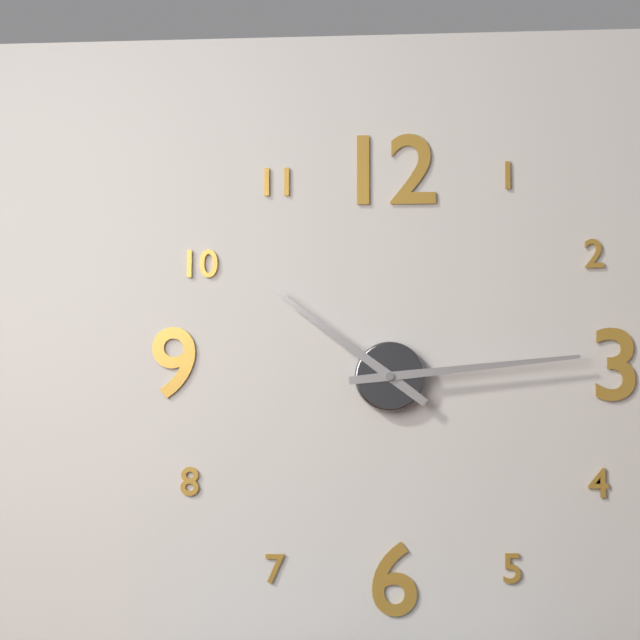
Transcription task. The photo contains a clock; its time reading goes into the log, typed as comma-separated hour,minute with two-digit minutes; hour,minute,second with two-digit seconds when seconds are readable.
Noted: 10,14
